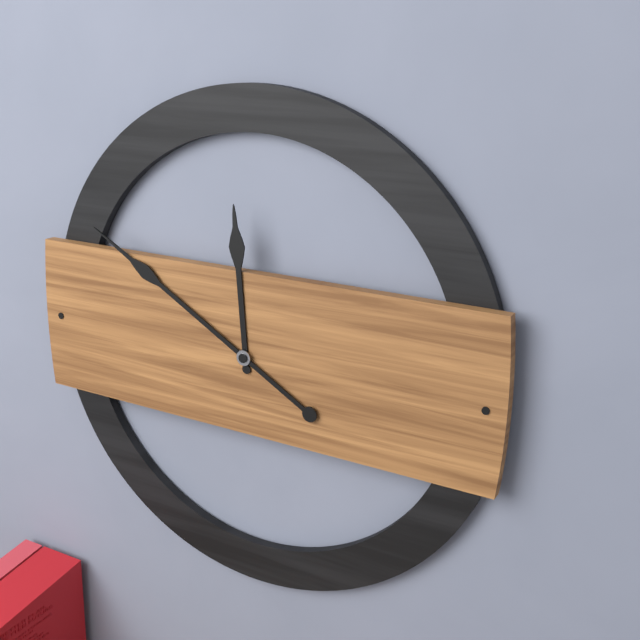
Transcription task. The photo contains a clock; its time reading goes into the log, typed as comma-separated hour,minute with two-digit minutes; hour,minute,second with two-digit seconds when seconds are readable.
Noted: 11,50
